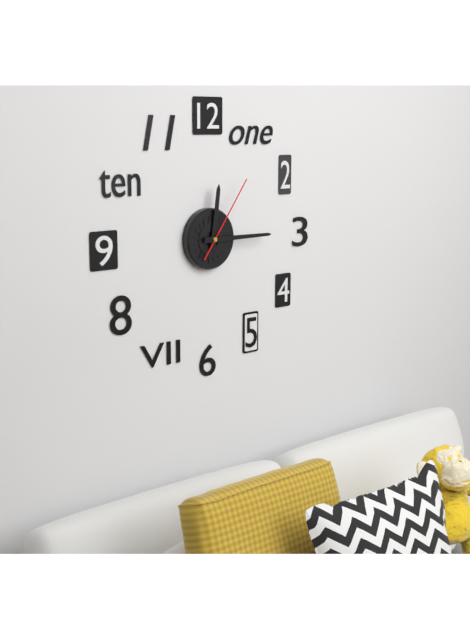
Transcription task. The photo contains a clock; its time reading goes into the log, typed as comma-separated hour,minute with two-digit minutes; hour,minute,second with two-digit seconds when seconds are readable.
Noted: 12,15,06
